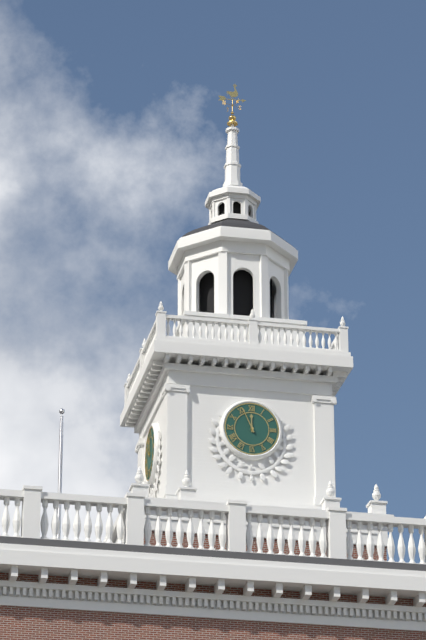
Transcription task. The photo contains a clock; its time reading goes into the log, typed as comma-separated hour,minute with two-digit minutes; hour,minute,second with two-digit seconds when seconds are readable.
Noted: 11,56
